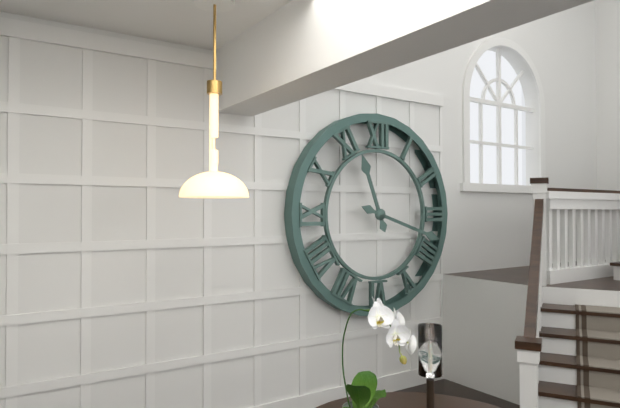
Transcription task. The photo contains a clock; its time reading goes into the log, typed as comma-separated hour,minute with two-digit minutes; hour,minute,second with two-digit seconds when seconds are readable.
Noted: 11,18
